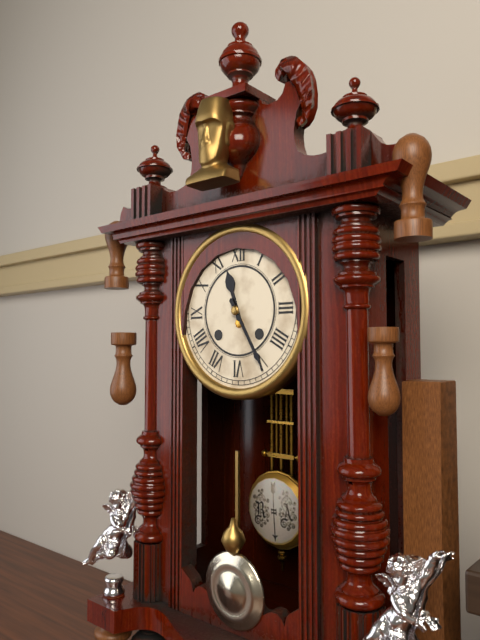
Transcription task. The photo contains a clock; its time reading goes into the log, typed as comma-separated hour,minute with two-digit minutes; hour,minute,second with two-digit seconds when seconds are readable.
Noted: 11,25
